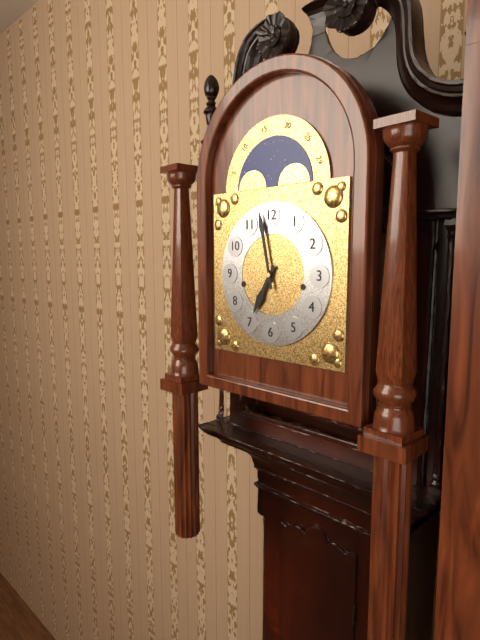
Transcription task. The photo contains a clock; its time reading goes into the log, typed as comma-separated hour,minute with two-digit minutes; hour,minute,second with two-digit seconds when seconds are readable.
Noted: 6,58
